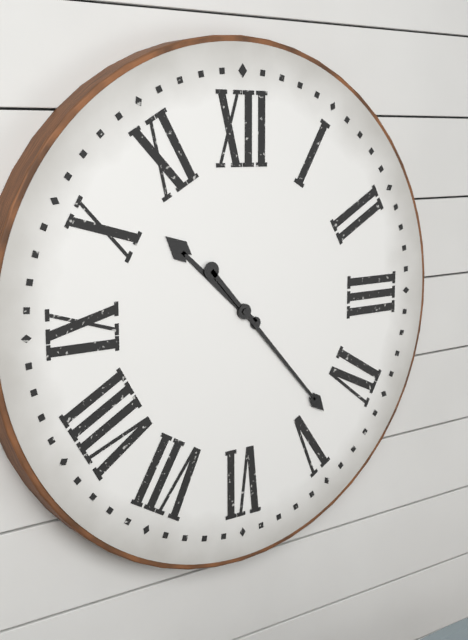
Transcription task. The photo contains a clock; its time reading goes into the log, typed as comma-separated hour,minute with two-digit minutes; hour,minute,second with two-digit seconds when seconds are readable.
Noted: 10,23
